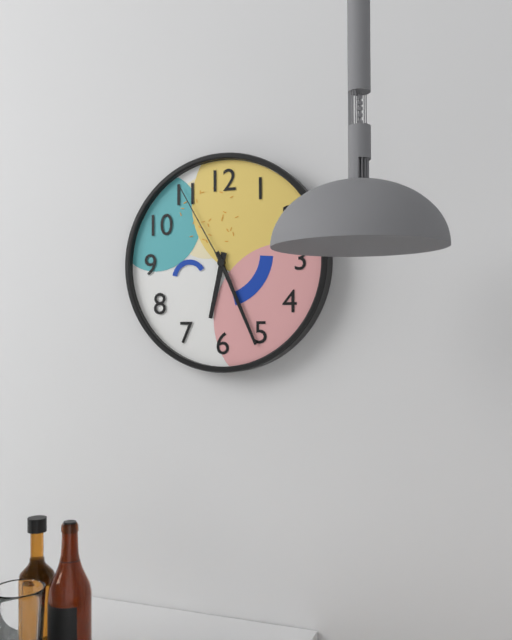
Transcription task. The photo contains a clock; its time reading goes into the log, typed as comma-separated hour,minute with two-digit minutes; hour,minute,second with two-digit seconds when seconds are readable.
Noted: 6,26,55
